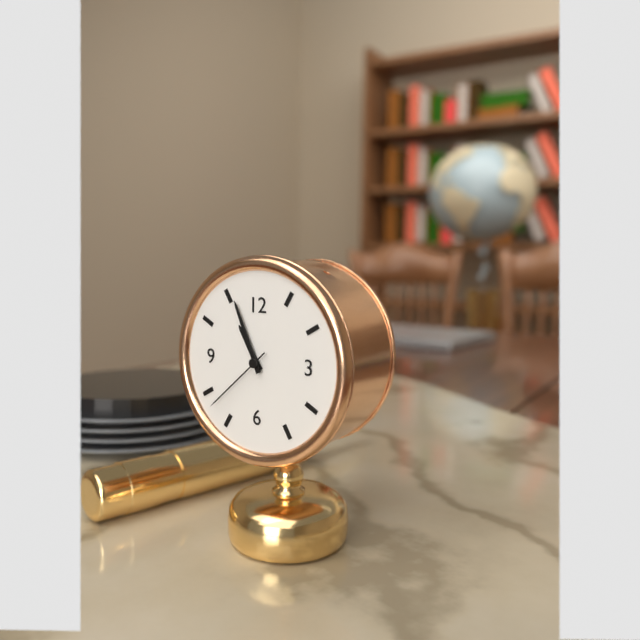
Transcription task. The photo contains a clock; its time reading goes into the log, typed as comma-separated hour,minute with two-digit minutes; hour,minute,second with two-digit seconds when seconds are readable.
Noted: 10,56,38
